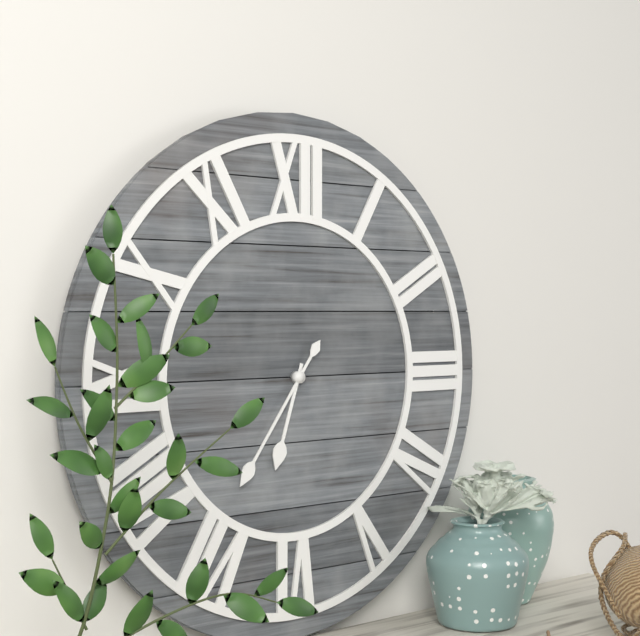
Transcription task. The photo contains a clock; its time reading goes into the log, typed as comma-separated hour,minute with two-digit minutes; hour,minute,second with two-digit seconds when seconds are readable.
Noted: 6,36
